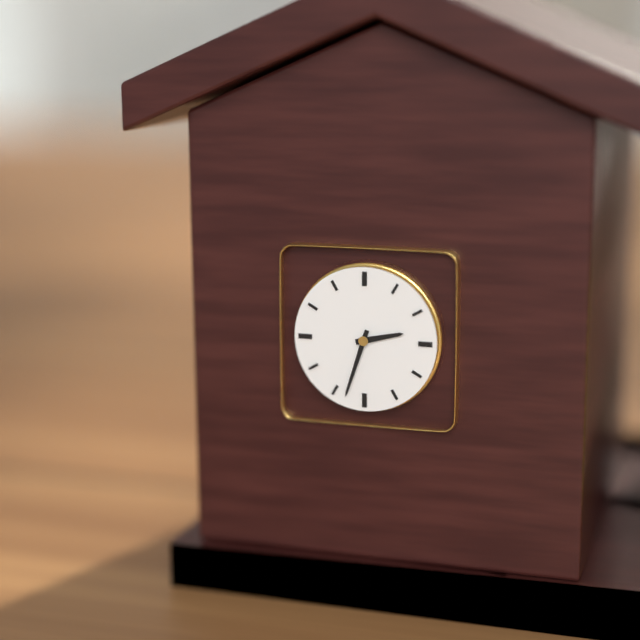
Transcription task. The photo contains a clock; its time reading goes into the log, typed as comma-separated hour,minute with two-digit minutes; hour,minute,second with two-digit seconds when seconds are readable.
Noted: 2,33
